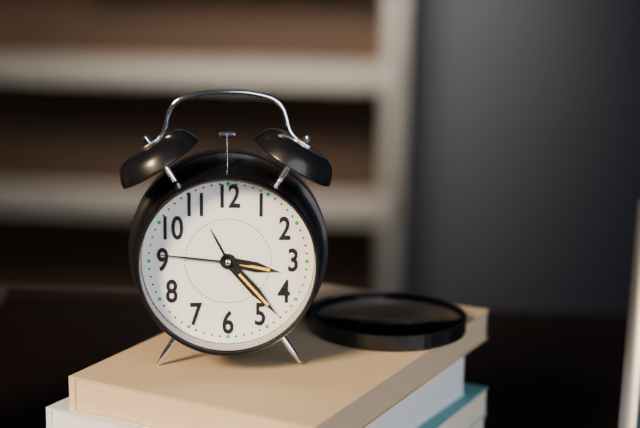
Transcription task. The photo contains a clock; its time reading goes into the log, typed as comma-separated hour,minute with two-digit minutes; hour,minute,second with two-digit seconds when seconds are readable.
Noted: 3,23,46
